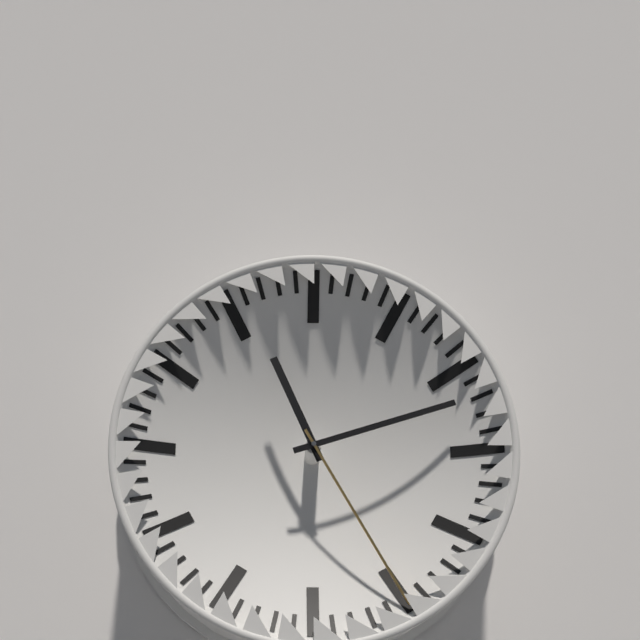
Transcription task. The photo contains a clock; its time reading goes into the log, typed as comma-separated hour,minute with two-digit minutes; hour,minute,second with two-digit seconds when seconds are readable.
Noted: 11,12,25
